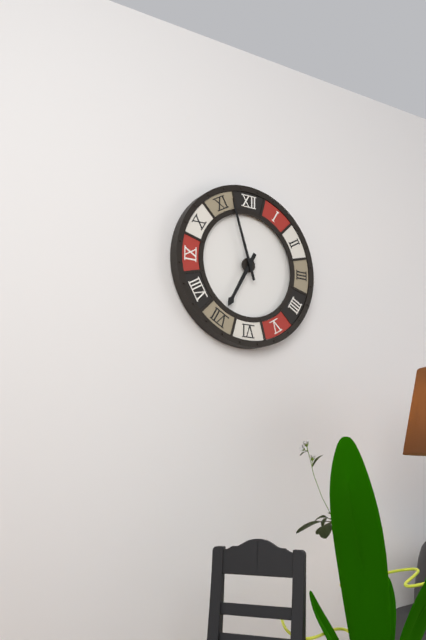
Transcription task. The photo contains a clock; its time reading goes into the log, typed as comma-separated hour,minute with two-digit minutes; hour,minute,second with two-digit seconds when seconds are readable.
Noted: 6,57
